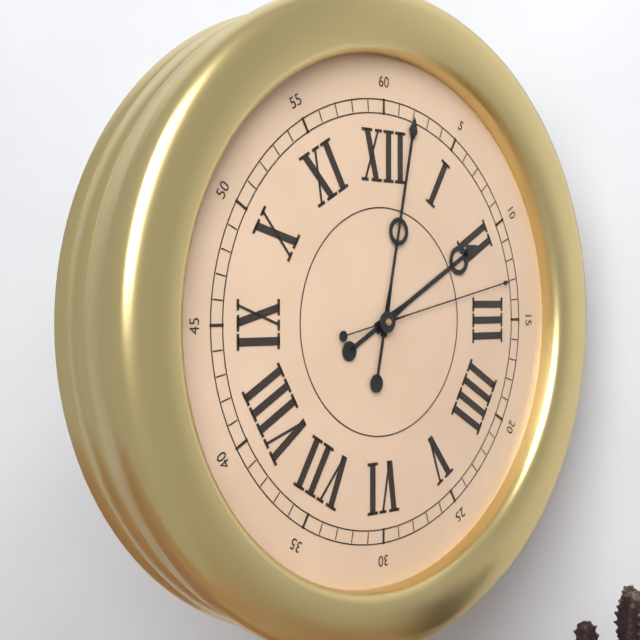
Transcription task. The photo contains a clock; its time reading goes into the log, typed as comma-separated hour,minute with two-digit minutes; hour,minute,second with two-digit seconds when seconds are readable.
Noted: 2,02,13
